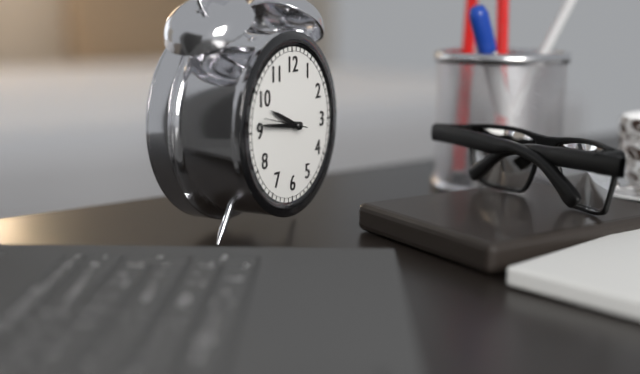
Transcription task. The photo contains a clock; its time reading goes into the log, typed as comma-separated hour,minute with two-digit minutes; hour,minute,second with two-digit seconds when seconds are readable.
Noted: 9,46
